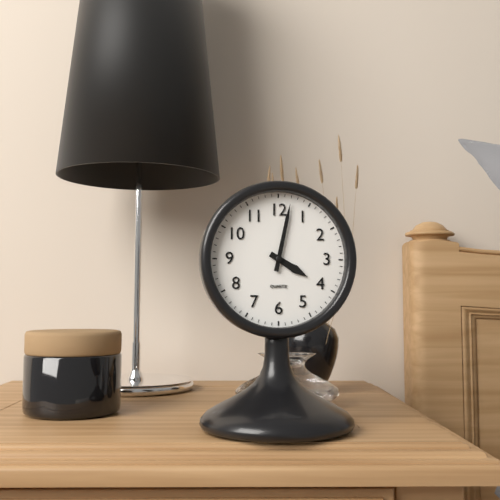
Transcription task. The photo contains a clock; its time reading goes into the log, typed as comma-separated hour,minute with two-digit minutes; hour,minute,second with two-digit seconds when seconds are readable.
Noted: 4,02
